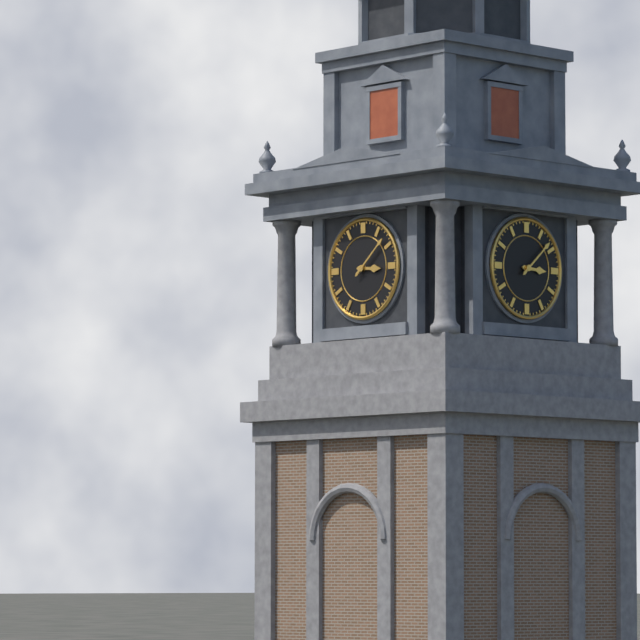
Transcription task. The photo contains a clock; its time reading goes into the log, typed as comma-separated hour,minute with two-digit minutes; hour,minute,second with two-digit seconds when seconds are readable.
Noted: 3,08
